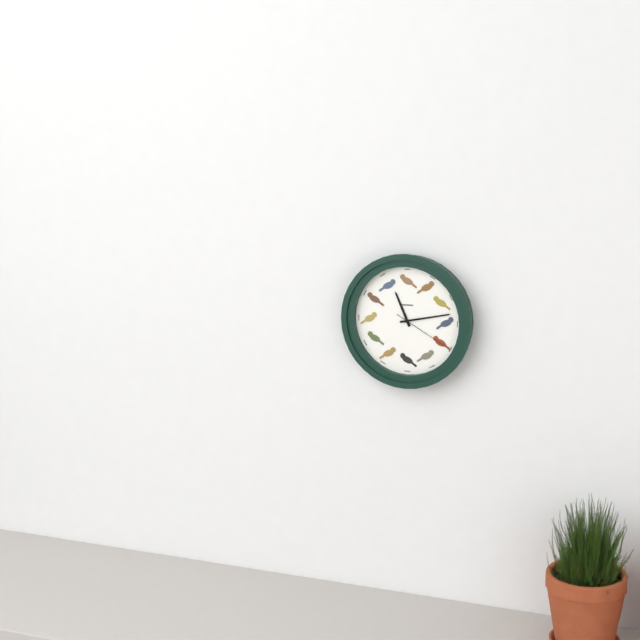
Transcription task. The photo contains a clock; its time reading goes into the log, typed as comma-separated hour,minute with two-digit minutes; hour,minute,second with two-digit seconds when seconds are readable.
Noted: 11,13,20
